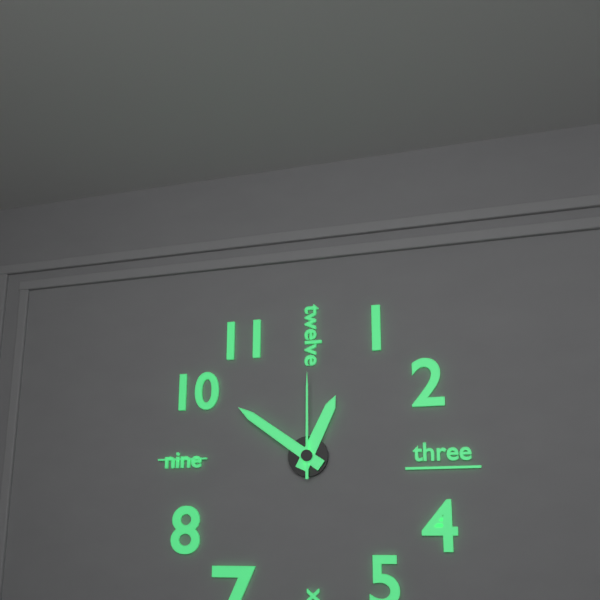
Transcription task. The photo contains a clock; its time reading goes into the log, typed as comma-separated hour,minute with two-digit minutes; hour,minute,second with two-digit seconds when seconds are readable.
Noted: 12,51,00
